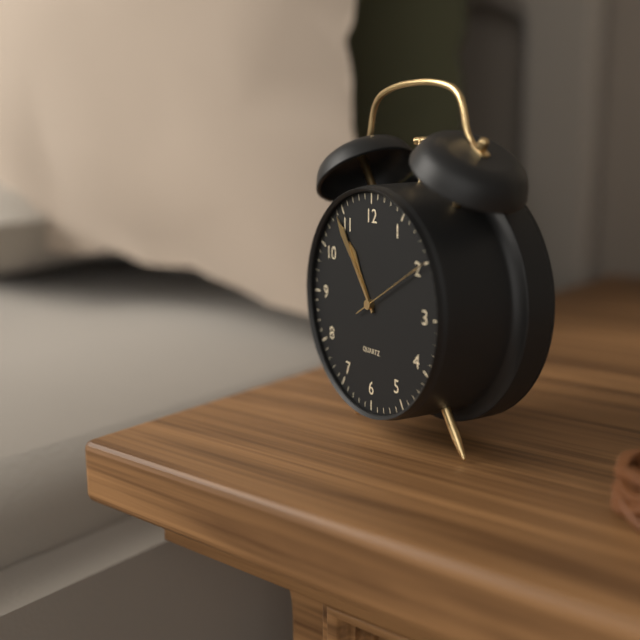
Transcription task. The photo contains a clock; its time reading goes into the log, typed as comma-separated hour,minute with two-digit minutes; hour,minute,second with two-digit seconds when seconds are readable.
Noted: 10,54,10
